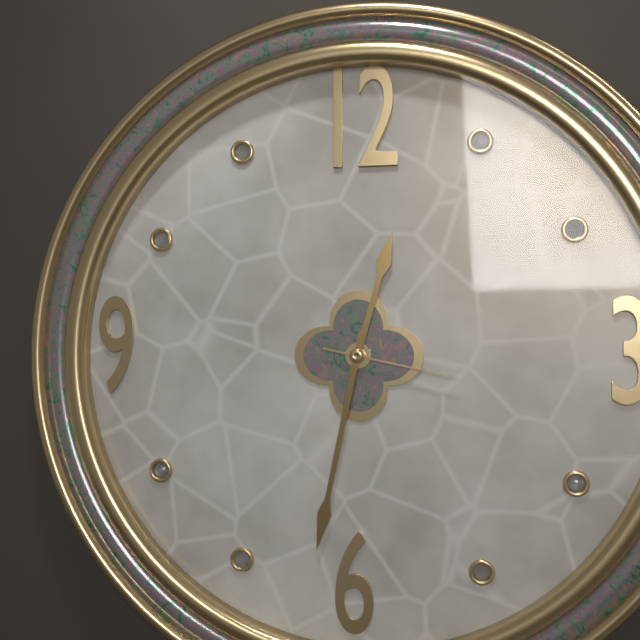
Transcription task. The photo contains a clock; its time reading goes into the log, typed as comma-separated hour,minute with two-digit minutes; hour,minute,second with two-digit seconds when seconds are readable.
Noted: 12,32,17
